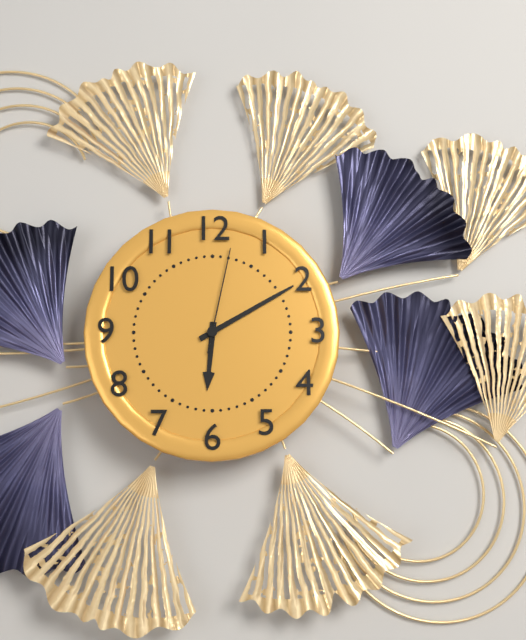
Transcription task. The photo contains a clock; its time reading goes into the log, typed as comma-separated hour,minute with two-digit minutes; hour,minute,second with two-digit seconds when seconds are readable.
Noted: 6,10,02
